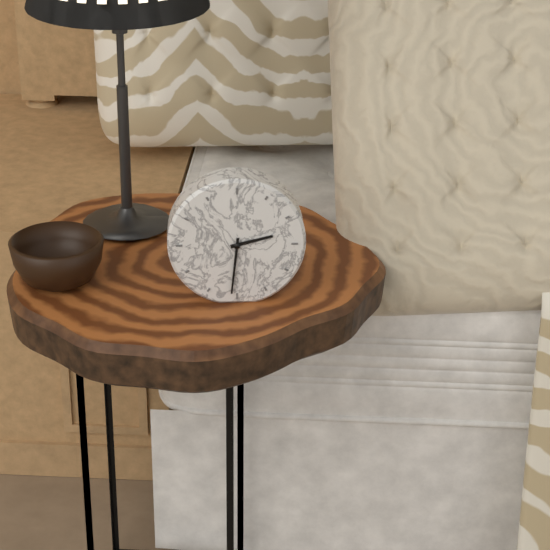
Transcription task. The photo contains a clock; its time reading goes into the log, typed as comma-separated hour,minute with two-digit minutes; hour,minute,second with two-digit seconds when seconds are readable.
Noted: 2,31
